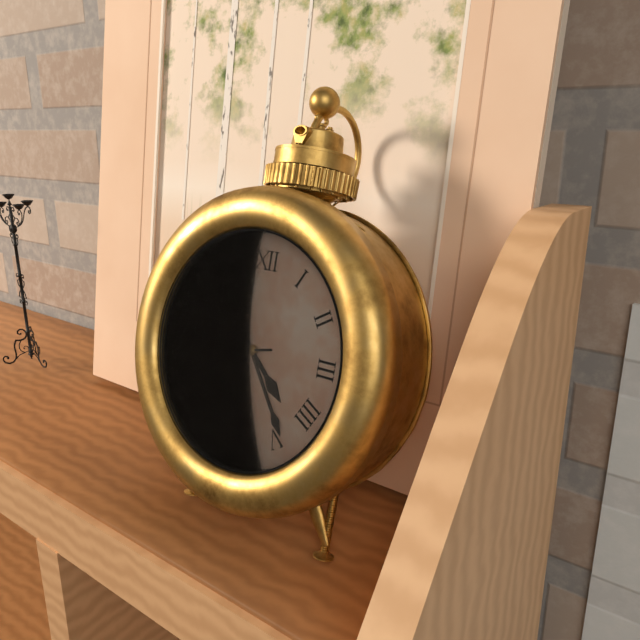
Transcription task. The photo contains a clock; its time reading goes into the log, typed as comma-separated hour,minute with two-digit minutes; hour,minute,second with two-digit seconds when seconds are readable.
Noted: 4,24,43
